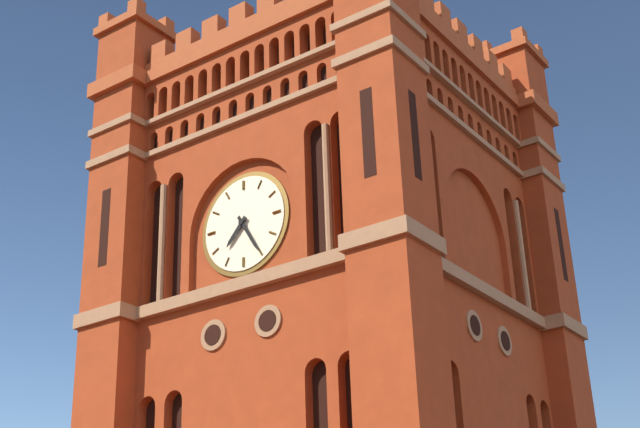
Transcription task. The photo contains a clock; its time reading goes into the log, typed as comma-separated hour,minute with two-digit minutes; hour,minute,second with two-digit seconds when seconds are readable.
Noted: 7,25
